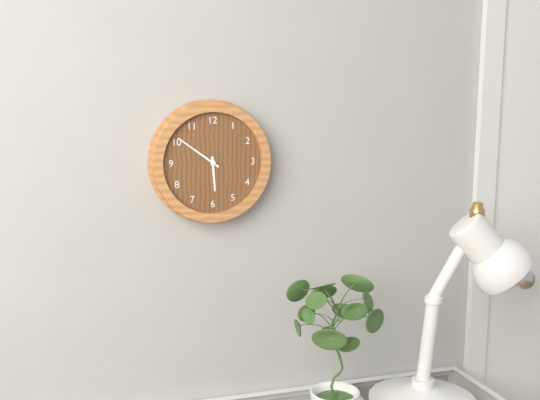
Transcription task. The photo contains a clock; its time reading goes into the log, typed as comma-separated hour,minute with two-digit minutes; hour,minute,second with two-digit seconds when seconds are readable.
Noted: 5,51
